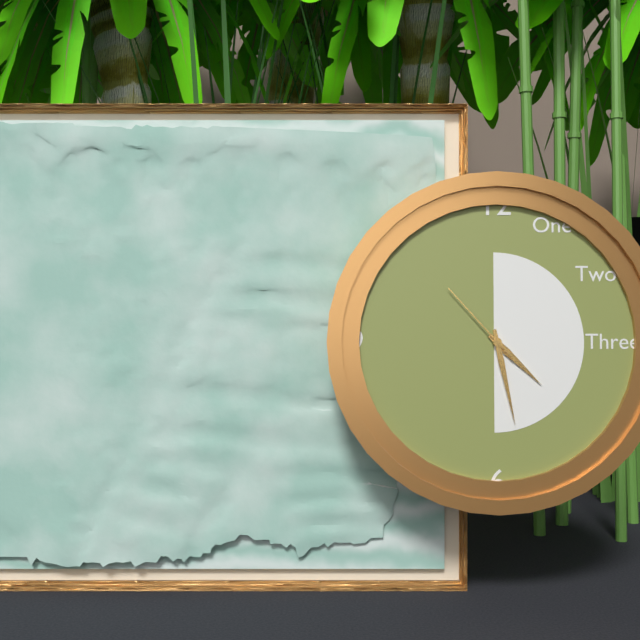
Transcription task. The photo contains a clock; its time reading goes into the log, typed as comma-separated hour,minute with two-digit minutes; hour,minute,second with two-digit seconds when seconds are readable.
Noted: 4,28,53
